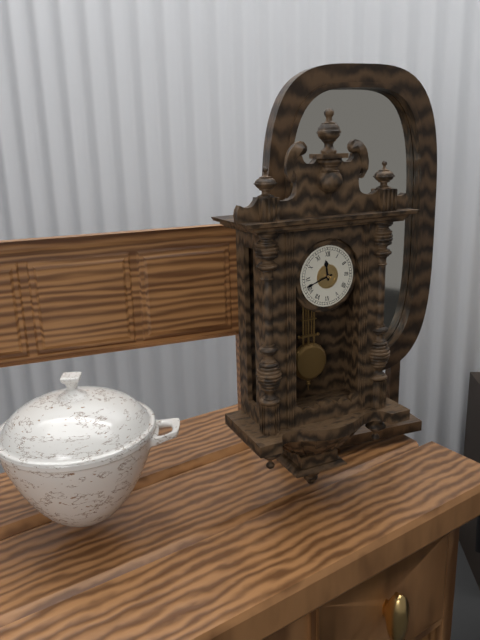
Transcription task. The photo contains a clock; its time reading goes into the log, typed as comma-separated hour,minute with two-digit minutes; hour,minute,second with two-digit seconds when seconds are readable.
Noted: 11,42
